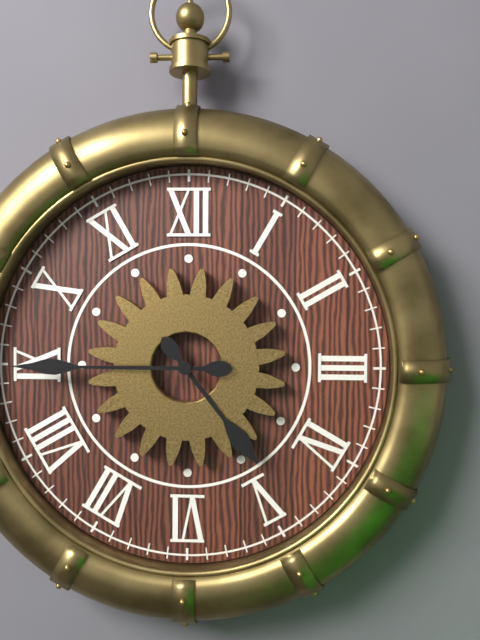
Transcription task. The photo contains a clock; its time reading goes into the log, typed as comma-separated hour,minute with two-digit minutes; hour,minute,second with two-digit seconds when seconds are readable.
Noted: 4,45
